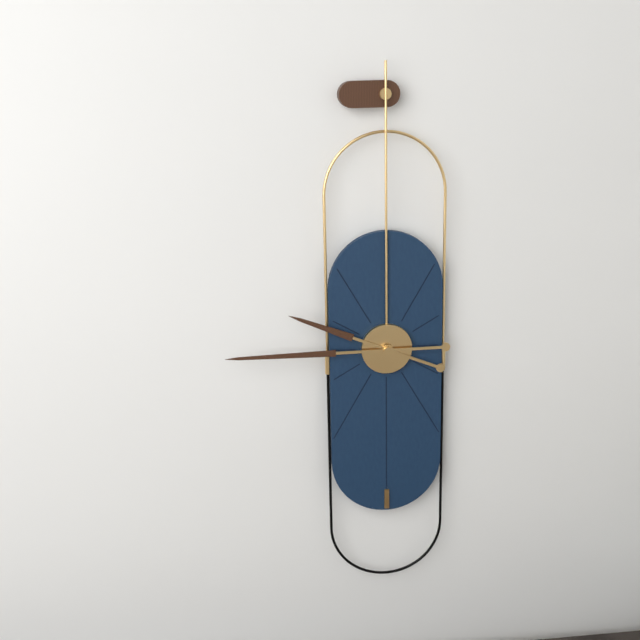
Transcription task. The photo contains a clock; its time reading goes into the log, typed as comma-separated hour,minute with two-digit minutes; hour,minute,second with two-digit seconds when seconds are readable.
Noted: 9,45
